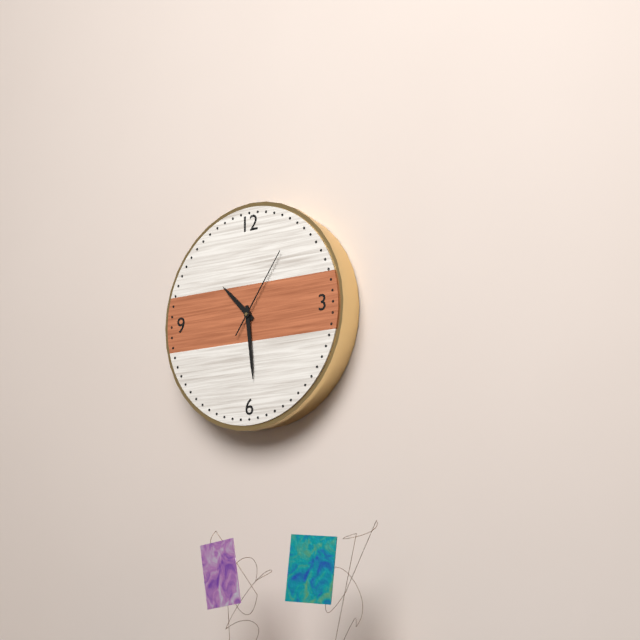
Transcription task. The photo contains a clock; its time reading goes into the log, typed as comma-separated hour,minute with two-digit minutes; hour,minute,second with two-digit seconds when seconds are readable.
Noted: 10,29,06
